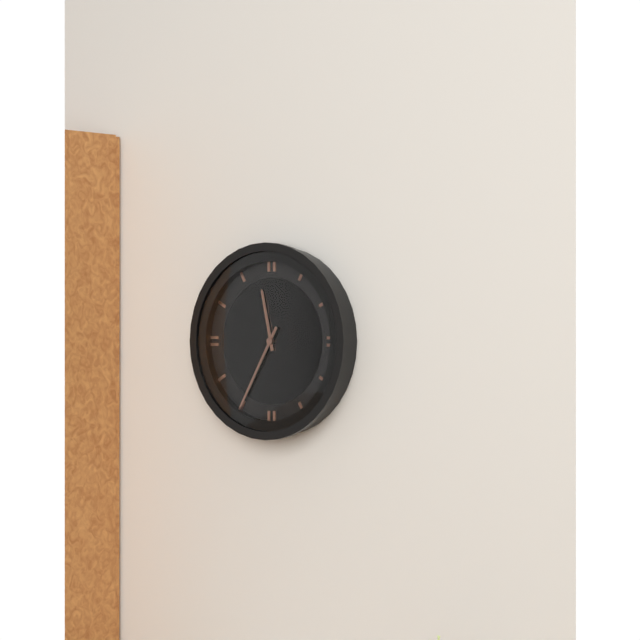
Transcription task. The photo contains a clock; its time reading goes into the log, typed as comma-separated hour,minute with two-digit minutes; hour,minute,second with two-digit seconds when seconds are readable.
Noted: 11,35
